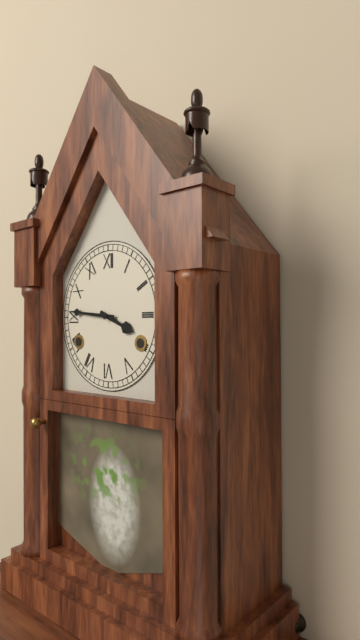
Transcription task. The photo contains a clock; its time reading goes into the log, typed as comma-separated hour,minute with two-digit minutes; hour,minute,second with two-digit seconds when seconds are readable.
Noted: 3,46
